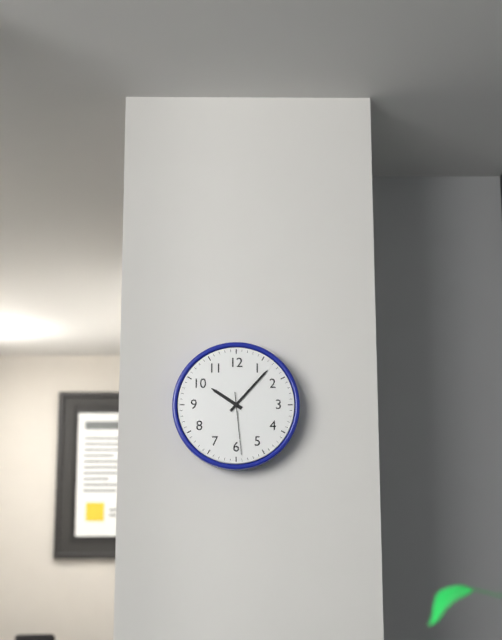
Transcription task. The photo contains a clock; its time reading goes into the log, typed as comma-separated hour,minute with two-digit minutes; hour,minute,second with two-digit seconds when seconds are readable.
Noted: 10,07,29
